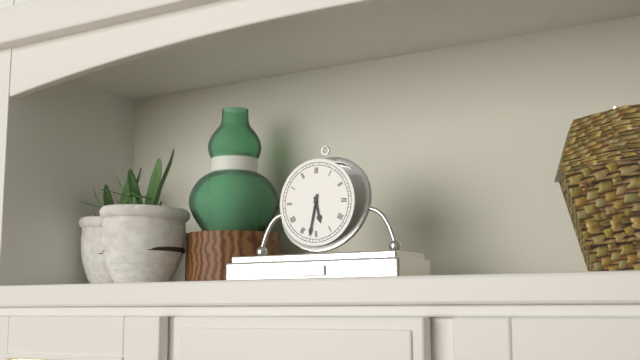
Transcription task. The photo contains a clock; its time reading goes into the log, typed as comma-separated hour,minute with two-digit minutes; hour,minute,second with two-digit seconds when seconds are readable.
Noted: 5,32
